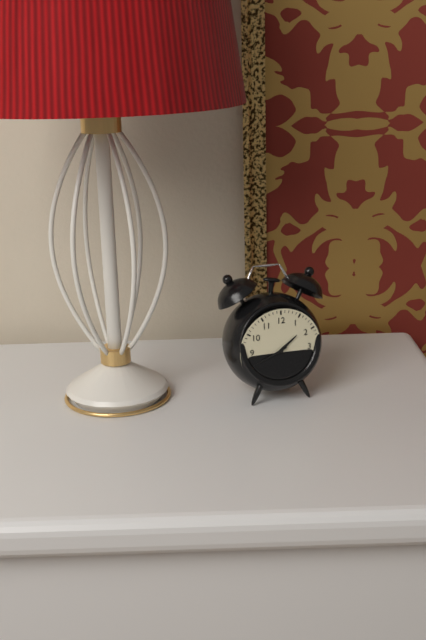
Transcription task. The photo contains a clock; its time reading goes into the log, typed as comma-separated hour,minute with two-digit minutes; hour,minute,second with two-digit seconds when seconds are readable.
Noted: 1,41
